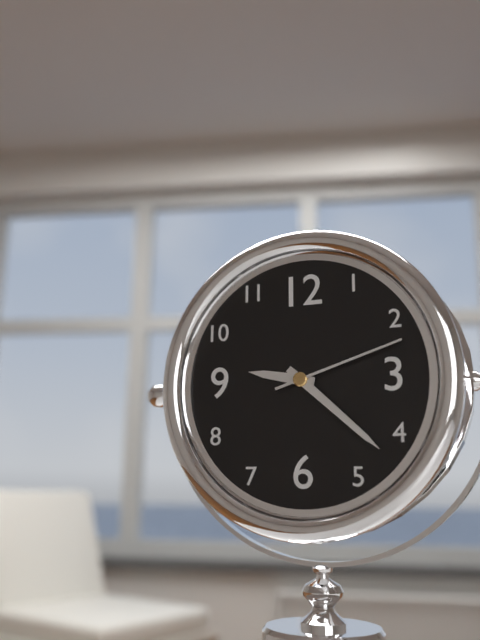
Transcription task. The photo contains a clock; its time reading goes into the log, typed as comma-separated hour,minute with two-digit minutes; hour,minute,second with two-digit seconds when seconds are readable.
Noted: 9,22,12
